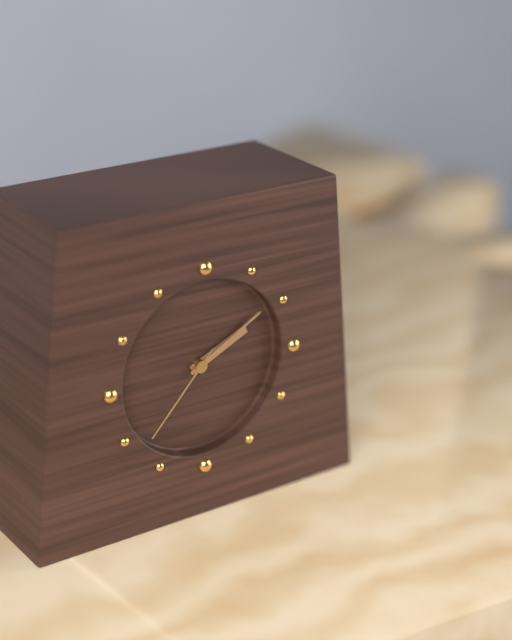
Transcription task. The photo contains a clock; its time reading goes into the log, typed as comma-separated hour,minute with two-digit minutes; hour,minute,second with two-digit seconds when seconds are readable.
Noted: 2,10,37
